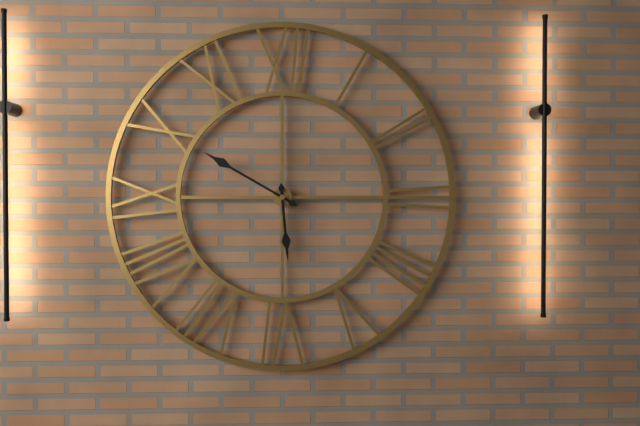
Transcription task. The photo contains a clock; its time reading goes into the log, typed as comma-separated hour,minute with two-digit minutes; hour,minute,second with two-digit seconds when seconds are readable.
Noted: 5,50
